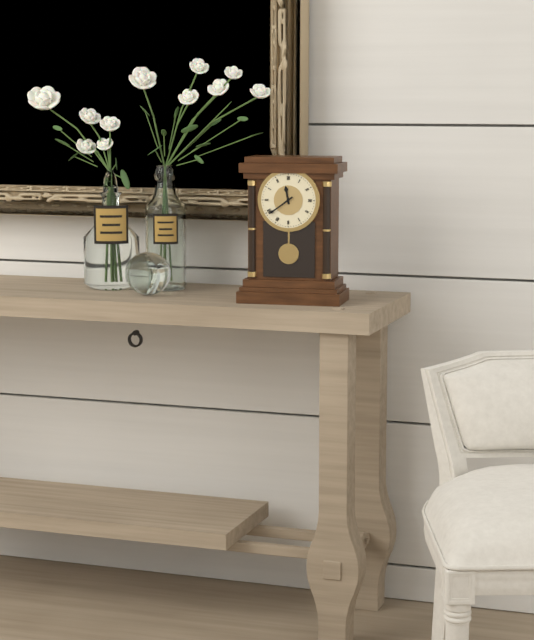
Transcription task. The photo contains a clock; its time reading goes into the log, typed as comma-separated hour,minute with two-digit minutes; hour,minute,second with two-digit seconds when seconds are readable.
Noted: 11,39
